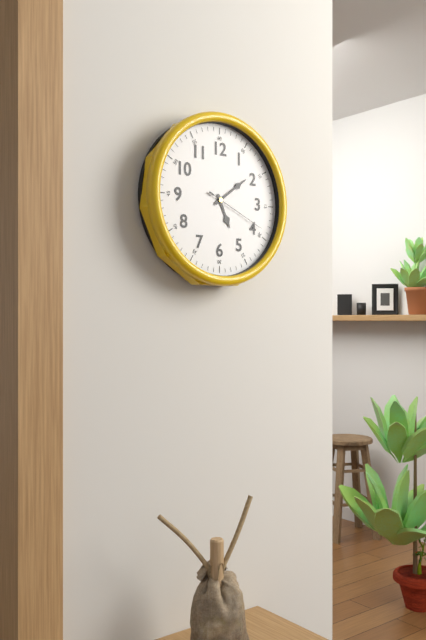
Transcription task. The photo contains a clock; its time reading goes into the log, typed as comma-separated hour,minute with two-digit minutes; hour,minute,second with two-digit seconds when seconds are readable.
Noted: 5,09,19
